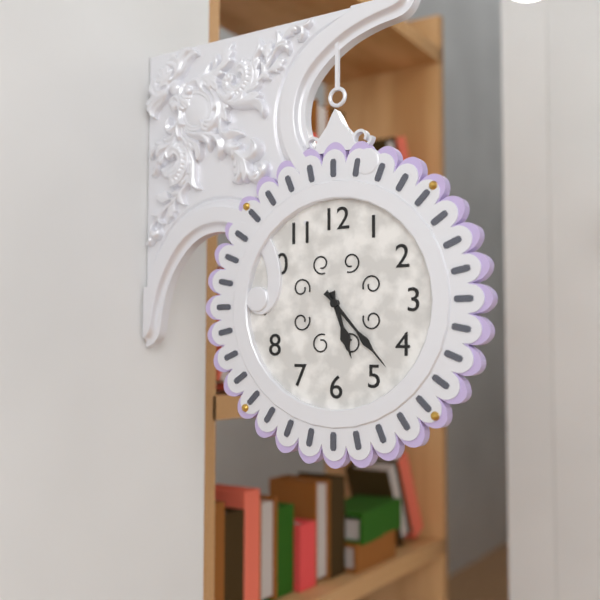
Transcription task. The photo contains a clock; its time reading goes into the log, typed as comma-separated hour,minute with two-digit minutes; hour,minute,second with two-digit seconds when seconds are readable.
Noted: 5,23
